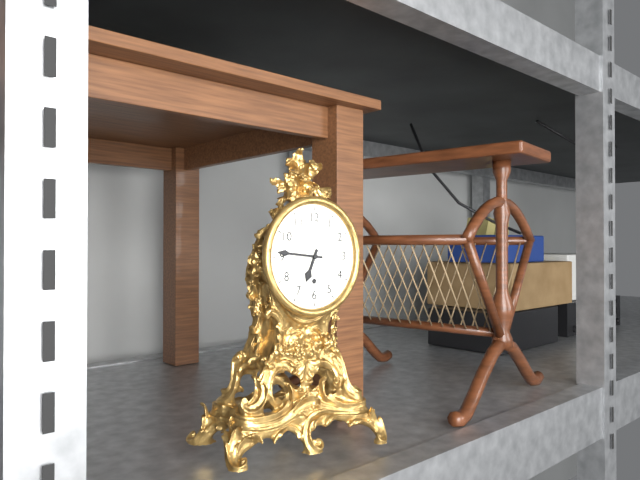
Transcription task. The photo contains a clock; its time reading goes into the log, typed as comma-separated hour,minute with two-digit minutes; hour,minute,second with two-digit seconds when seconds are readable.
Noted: 6,46
